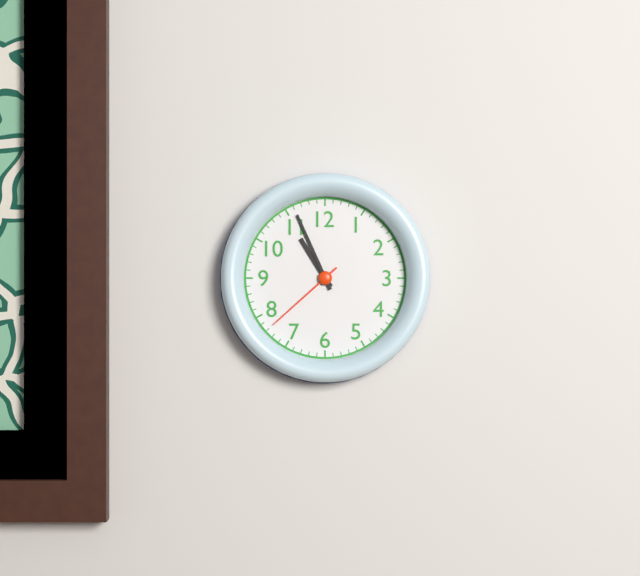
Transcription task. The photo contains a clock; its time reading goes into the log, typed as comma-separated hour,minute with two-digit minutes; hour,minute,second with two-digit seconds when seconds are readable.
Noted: 10,56,38
